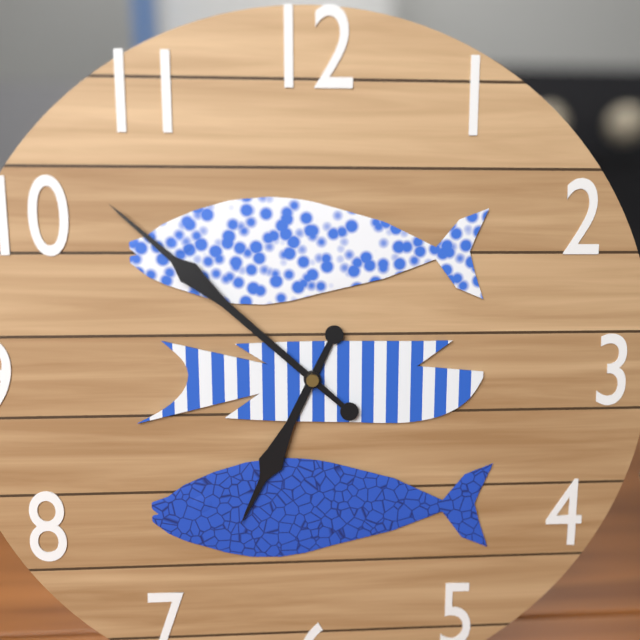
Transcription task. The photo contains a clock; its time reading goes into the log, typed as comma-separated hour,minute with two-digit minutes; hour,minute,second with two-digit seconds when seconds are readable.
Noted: 6,52
